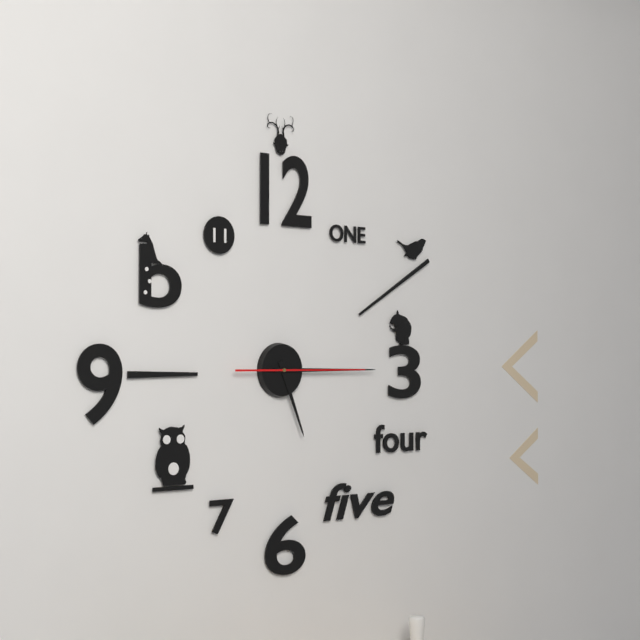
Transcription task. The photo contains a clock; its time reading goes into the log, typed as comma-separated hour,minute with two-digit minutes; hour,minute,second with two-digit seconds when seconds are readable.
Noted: 5,15,15
